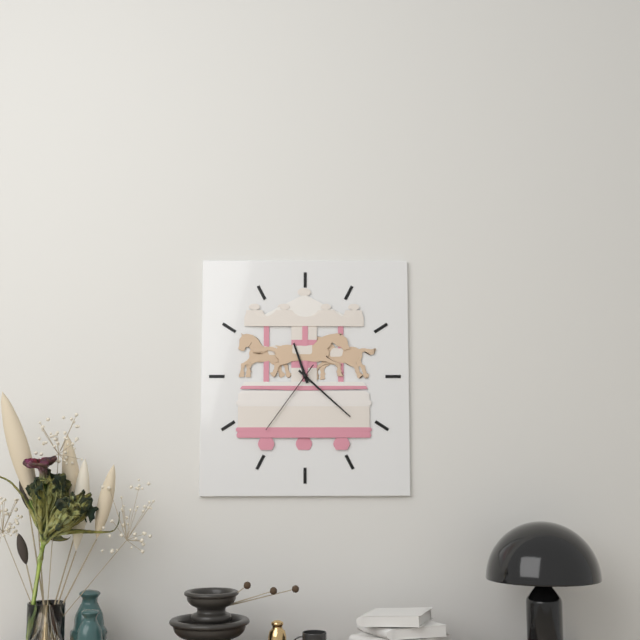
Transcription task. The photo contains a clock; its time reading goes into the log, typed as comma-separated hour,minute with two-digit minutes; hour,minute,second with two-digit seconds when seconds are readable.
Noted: 11,22,36
